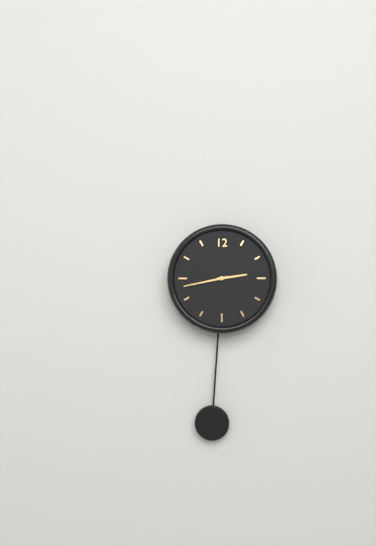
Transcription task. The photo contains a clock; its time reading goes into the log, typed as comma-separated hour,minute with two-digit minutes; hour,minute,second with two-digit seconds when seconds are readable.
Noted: 2,43
